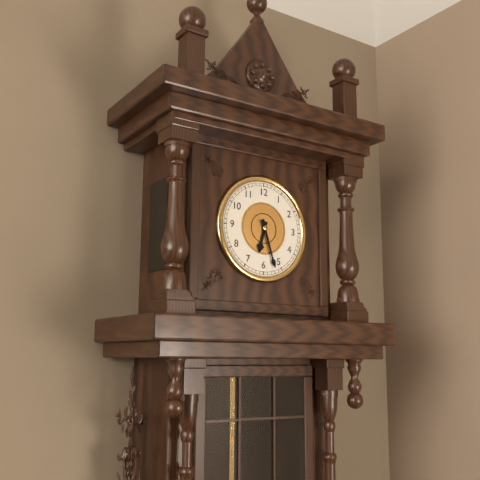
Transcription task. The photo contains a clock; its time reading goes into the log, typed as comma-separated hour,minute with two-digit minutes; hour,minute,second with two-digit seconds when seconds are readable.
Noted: 6,27
